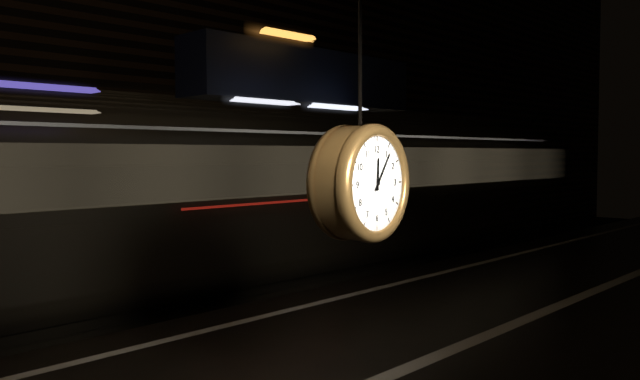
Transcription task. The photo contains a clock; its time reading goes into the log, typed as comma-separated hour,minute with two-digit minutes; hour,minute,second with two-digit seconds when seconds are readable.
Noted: 12,06
